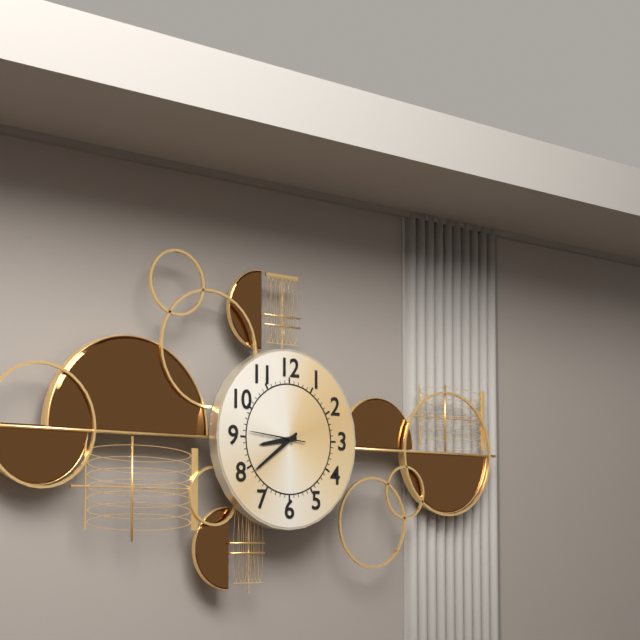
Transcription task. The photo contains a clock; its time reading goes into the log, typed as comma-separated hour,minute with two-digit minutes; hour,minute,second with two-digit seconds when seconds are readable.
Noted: 8,39,46
